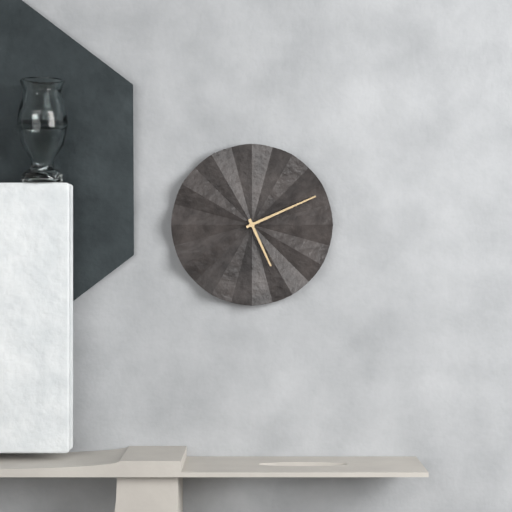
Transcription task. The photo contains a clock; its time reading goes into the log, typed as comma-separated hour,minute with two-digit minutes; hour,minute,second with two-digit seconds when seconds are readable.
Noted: 5,11
